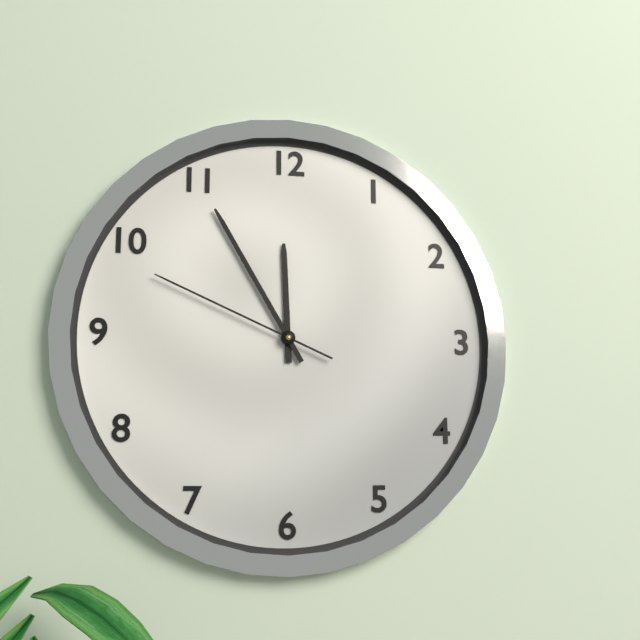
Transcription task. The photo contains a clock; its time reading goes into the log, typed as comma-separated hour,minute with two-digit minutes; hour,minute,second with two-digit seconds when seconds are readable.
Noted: 11,55,49
